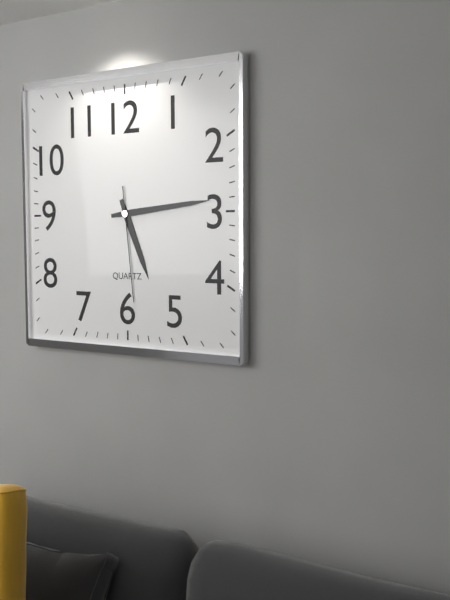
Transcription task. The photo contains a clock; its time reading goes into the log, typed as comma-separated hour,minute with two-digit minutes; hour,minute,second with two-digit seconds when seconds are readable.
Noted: 5,14,29
